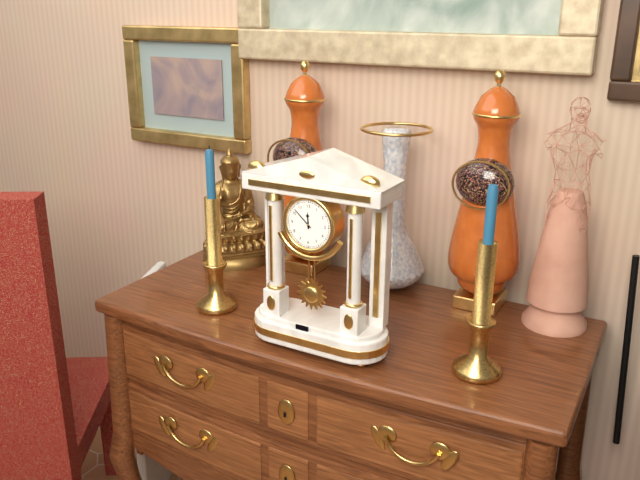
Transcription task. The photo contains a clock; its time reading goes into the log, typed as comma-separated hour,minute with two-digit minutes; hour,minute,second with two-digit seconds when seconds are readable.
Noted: 11,52
